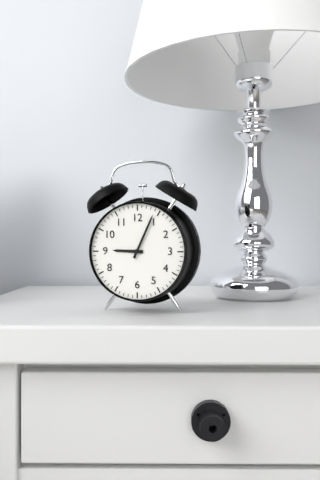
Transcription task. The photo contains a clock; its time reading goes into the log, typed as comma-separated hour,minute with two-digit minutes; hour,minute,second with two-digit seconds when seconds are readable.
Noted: 9,04
